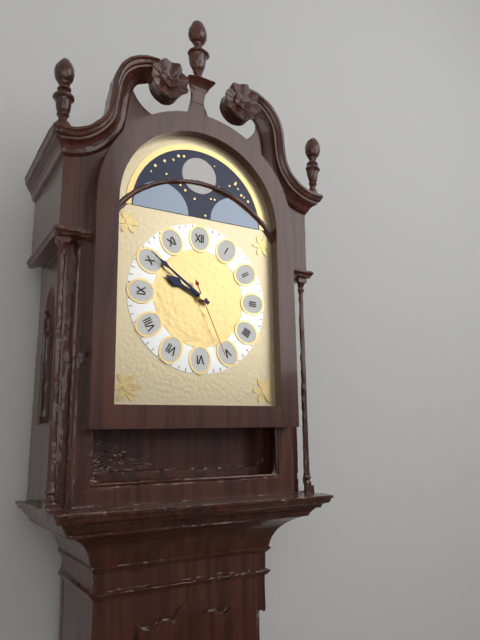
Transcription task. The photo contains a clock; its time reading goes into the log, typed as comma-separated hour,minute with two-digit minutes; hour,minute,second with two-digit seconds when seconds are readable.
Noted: 9,51,26
